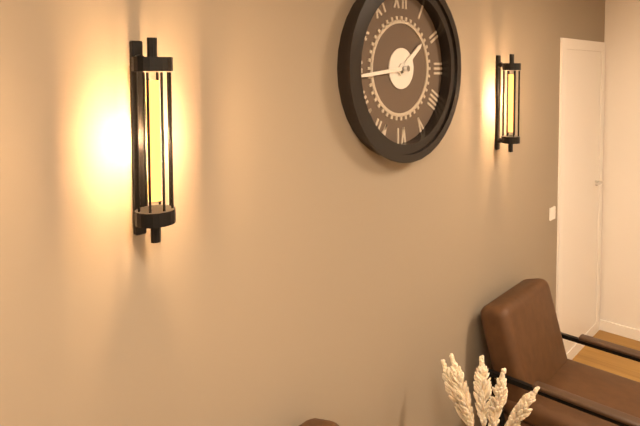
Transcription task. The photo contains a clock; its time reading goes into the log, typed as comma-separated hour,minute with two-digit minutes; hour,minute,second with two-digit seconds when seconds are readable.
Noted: 1,44
